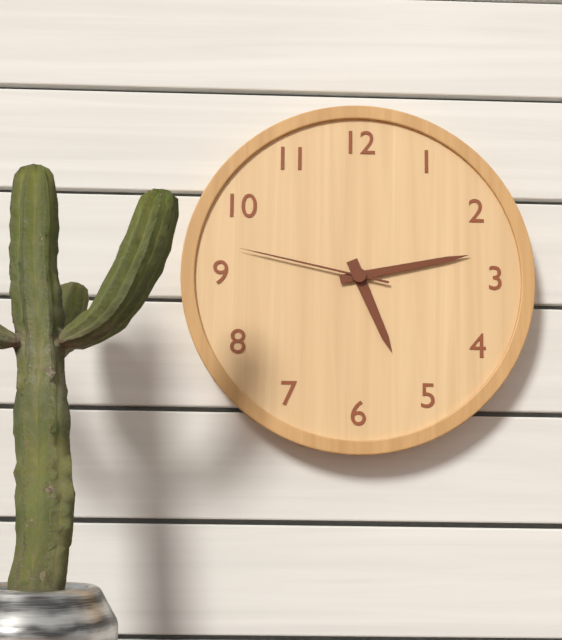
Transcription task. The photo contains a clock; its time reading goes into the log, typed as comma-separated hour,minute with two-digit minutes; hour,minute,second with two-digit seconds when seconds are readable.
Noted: 5,13,47
